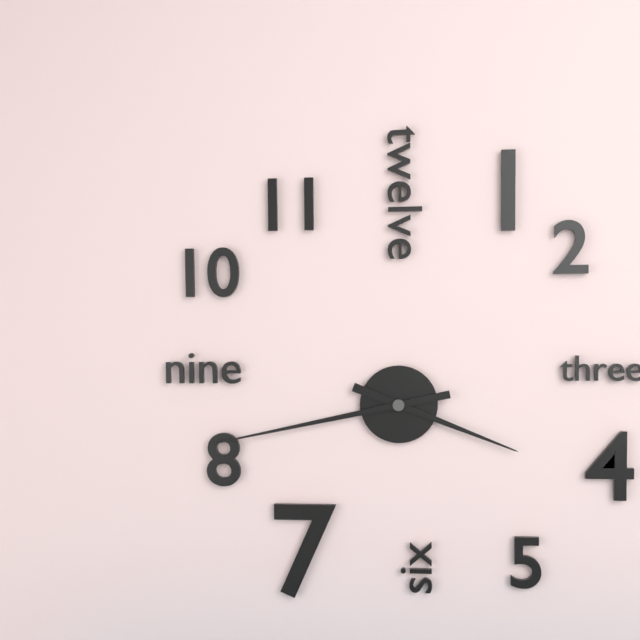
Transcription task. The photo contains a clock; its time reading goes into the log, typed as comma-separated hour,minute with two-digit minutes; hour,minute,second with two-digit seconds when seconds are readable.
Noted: 3,43
